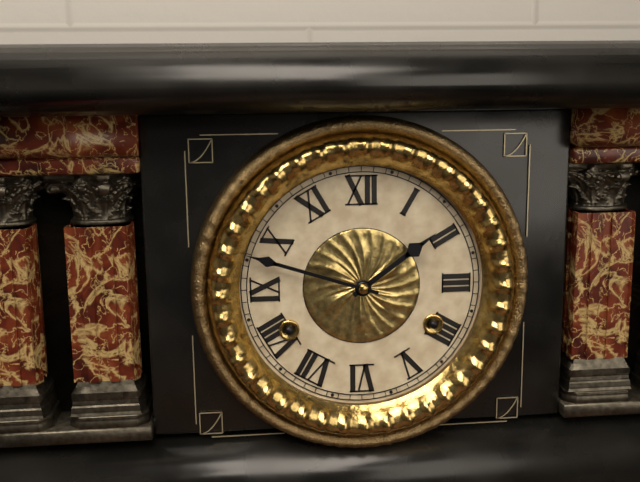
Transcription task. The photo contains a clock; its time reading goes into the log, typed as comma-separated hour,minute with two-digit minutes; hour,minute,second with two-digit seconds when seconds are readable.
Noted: 1,48
